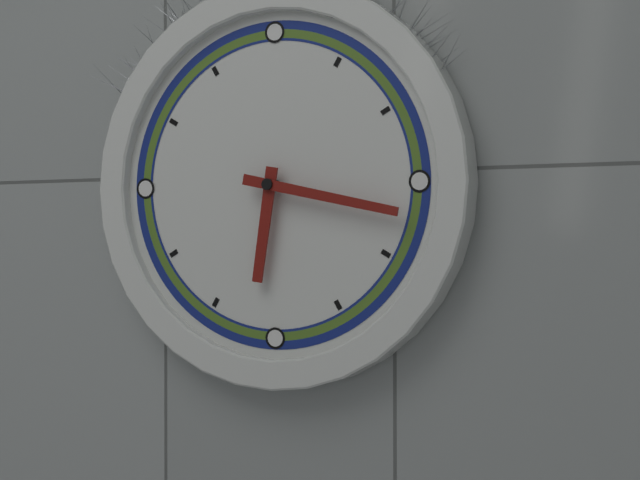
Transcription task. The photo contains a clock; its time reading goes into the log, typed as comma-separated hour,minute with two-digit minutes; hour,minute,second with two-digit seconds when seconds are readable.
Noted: 6,17
